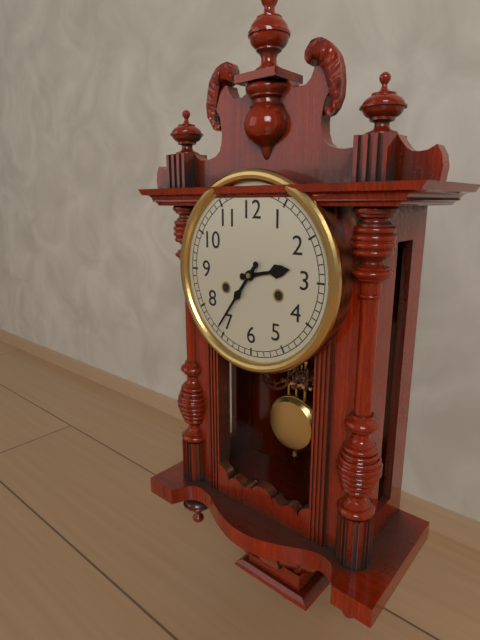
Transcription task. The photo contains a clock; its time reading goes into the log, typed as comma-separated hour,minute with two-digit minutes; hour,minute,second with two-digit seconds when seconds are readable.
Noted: 2,36
